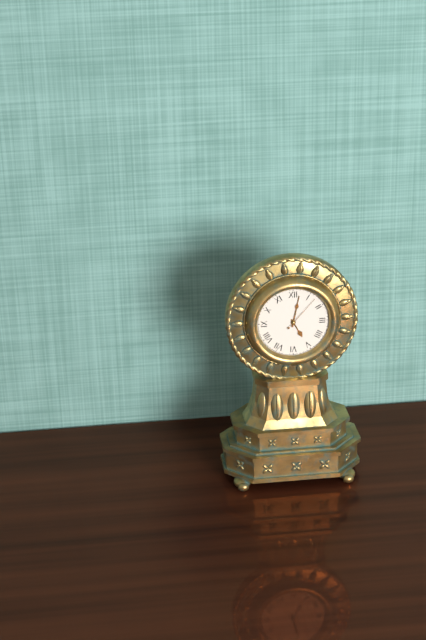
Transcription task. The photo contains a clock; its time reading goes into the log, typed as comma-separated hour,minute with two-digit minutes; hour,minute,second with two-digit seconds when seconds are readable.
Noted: 5,02
